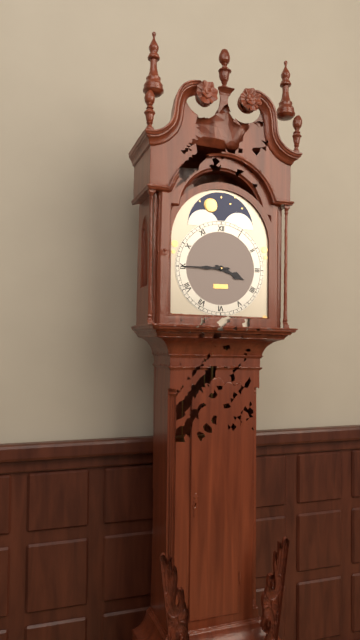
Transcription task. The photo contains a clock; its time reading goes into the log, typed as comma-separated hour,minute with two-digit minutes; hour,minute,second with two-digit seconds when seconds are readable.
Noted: 3,45
